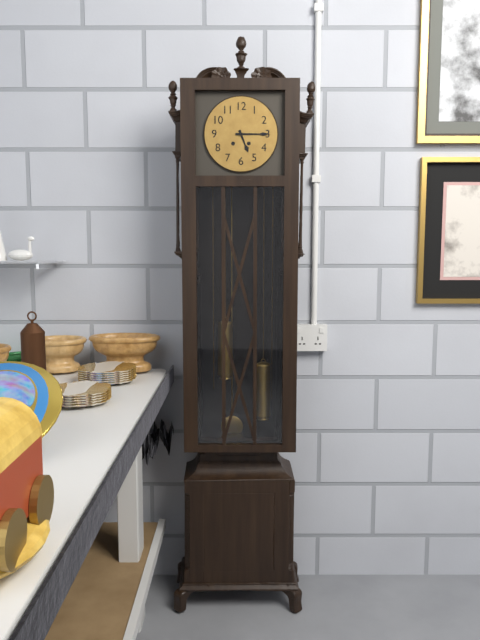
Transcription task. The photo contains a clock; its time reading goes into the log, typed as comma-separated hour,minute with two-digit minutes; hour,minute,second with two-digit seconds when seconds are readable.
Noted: 5,15
